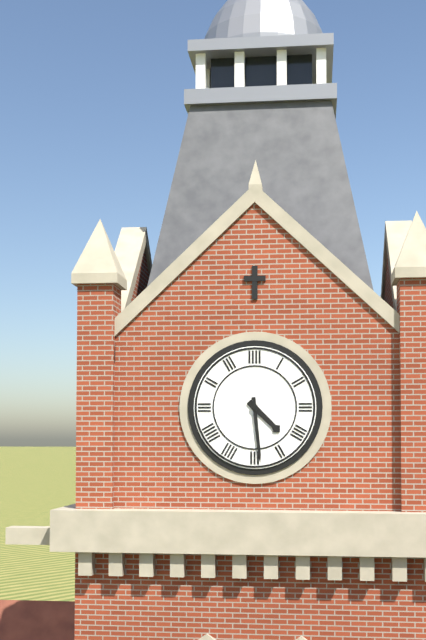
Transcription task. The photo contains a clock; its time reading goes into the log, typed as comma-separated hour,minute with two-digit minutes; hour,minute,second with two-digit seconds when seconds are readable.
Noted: 4,29
